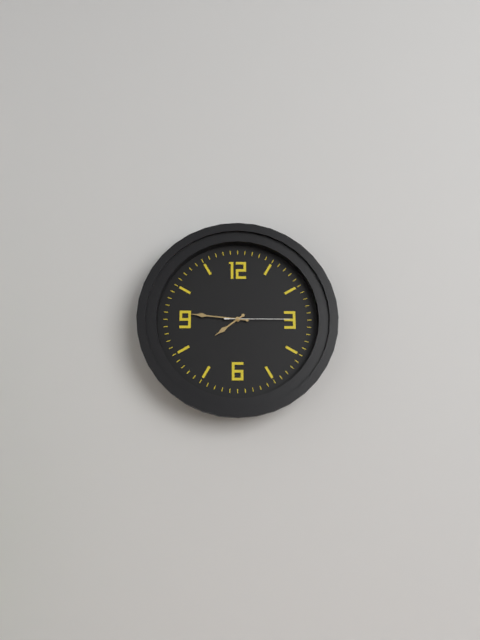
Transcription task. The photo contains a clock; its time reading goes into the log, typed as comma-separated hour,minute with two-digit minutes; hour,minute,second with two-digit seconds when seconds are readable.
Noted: 7,46,15
